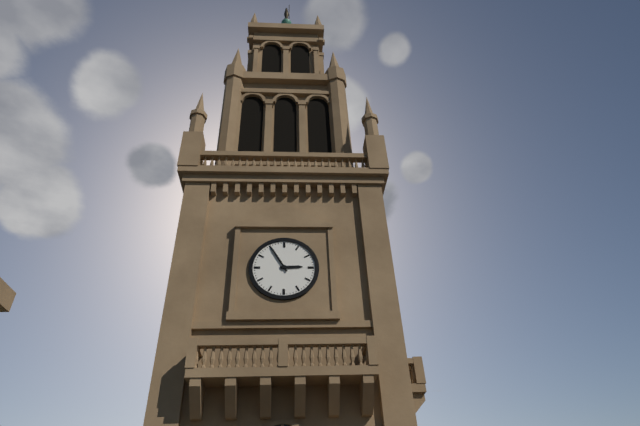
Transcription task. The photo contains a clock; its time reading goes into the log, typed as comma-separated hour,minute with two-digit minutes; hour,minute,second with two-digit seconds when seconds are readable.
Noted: 2,55
